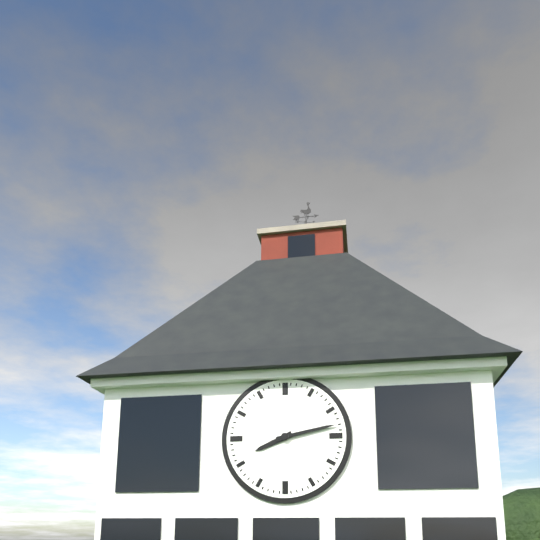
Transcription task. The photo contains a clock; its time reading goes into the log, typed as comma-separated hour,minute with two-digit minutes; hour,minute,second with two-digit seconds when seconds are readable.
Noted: 8,13
